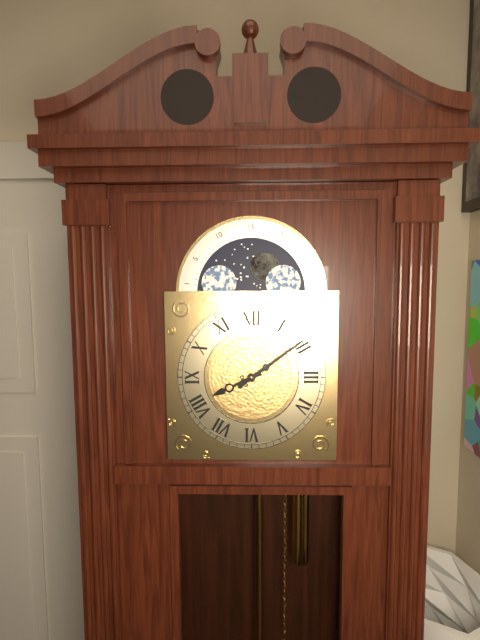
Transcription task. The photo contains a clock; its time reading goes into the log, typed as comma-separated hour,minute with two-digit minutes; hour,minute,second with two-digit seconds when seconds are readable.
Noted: 8,09
